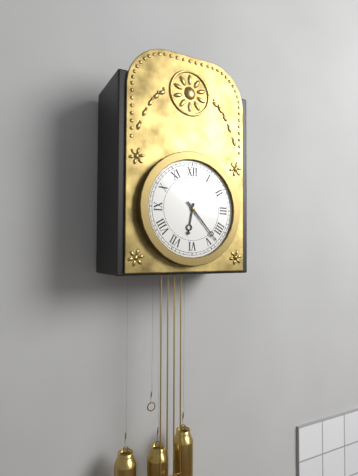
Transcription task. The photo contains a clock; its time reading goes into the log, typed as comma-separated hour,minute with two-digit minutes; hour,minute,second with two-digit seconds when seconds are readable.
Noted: 6,23
